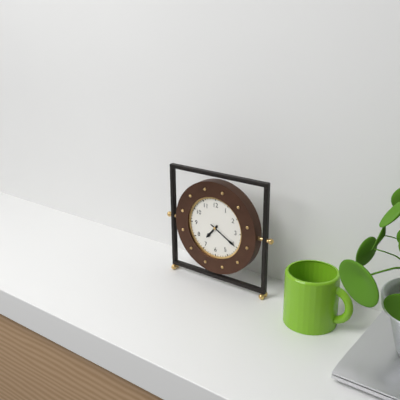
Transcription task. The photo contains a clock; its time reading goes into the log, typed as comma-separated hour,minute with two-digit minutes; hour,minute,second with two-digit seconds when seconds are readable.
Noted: 7,20
